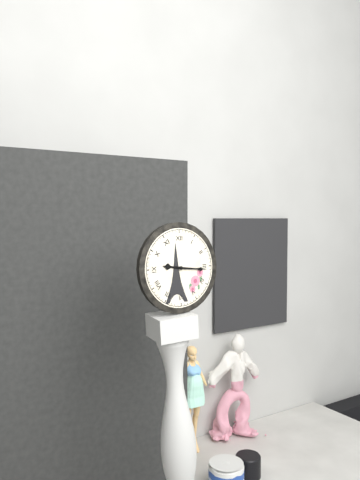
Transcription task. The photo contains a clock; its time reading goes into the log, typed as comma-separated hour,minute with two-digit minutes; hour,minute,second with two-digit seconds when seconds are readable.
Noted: 9,16
